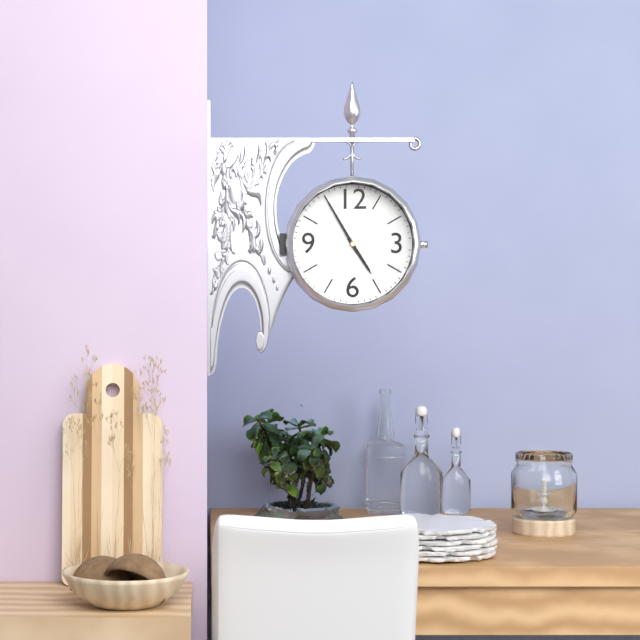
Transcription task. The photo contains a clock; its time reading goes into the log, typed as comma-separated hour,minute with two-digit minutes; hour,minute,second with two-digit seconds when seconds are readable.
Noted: 4,55
